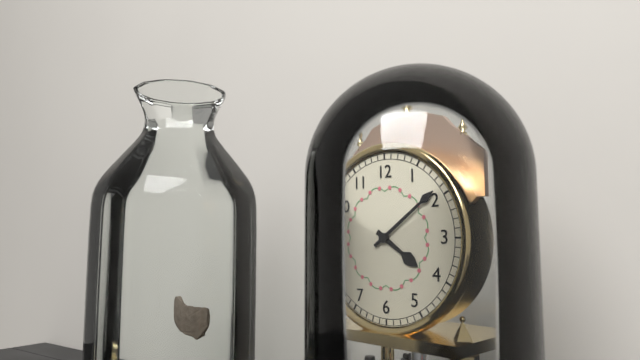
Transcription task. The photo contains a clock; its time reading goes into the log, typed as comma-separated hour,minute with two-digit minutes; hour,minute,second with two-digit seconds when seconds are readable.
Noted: 4,09
